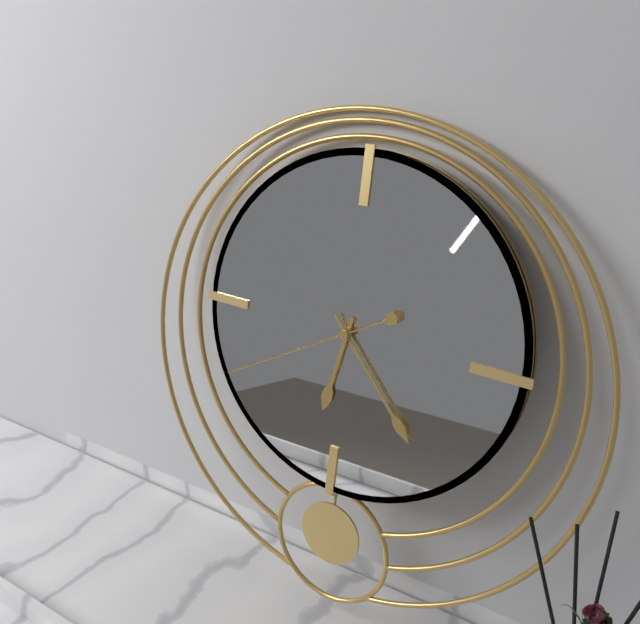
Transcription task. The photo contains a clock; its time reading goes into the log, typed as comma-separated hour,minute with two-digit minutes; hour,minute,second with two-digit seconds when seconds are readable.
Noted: 6,23,40
